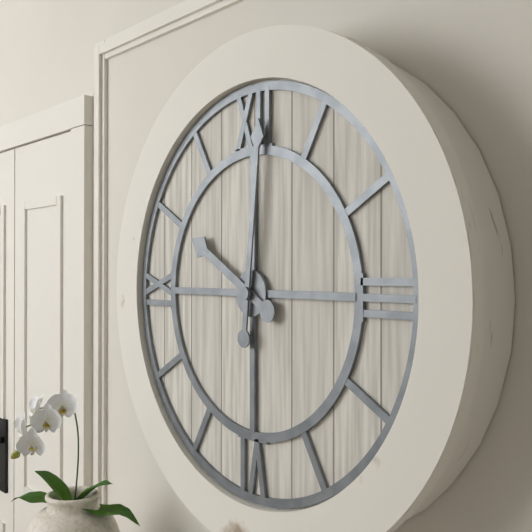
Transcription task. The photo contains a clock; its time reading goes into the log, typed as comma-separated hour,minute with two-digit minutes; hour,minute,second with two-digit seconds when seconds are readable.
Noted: 10,01
